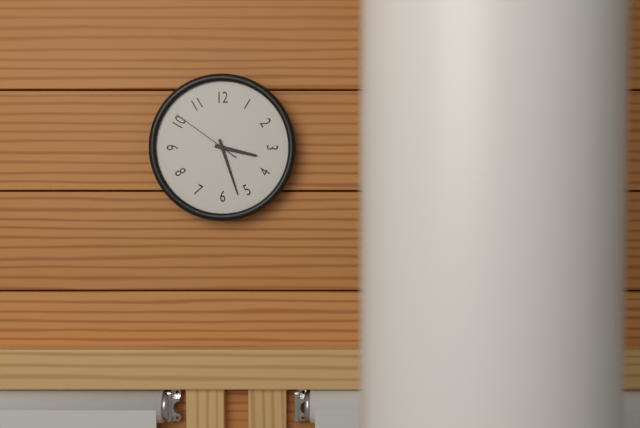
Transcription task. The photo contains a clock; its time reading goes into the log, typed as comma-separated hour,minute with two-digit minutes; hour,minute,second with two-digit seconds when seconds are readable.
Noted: 3,27,51
